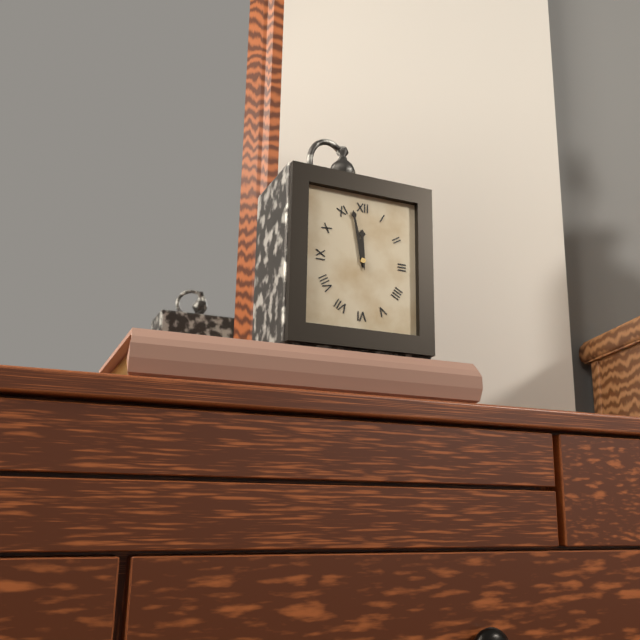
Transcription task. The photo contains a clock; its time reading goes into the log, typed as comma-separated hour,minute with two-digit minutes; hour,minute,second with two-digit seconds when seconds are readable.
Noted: 11,58
